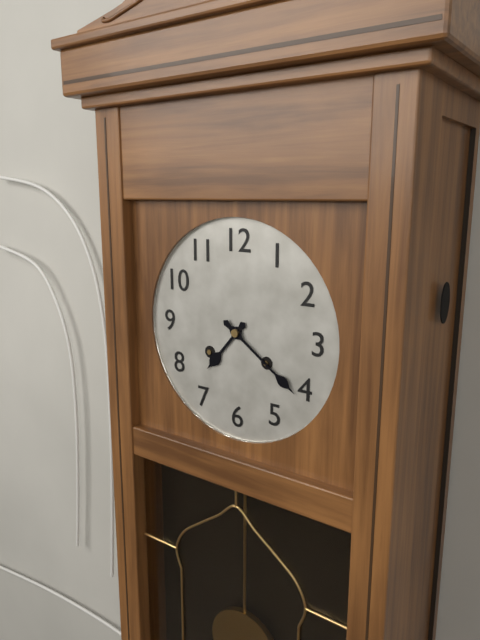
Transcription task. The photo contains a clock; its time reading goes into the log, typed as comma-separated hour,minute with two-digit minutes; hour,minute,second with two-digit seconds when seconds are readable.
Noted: 7,21
